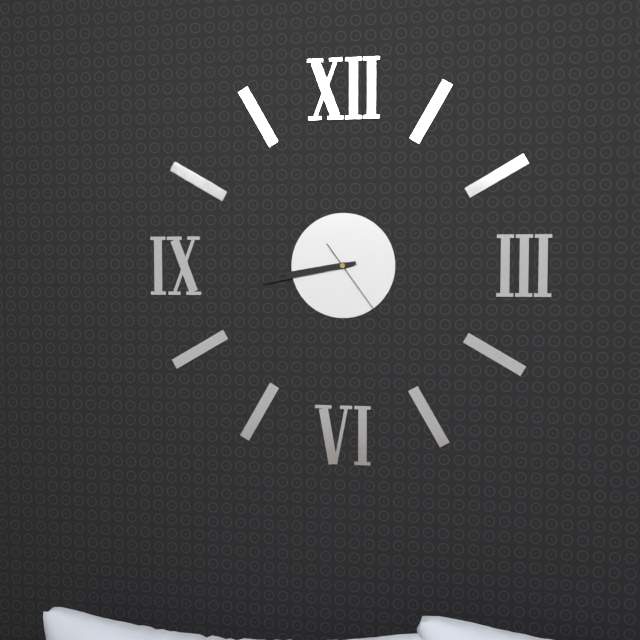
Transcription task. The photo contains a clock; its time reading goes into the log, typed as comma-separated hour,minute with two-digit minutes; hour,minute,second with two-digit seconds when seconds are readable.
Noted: 8,43,24
